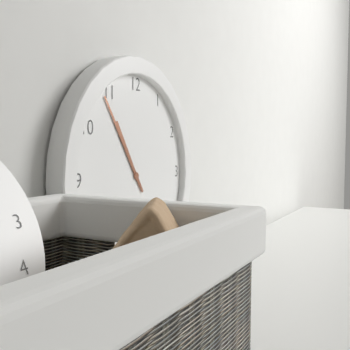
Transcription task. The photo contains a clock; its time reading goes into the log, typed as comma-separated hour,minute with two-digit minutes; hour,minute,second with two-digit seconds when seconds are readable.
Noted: 10,54
